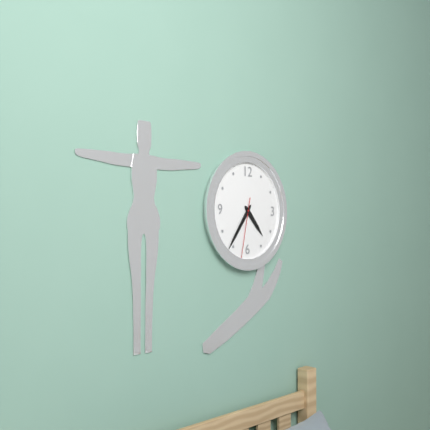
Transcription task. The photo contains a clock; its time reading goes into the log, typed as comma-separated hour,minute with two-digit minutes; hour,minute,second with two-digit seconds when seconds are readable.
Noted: 4,36,32
